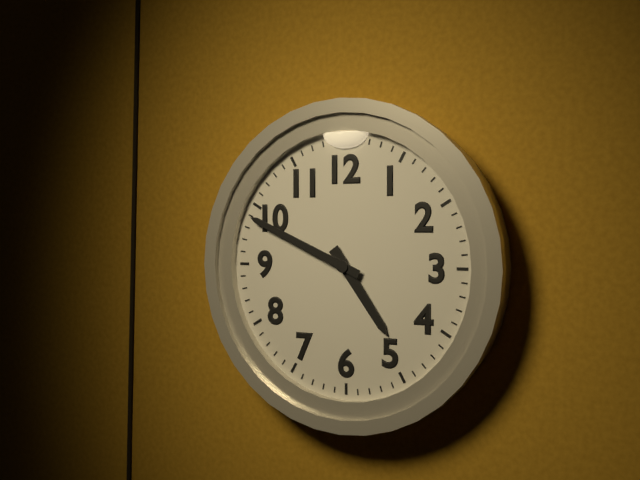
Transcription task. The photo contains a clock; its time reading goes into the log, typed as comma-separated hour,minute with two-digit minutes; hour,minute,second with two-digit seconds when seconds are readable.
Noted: 4,49
